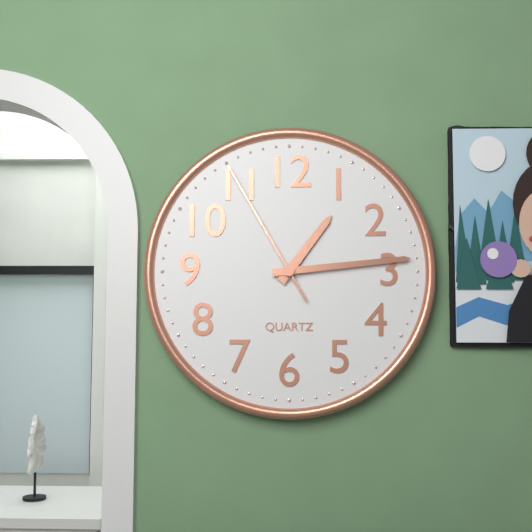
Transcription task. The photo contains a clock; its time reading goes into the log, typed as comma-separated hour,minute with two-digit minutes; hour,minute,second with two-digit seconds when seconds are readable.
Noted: 1,14,55
